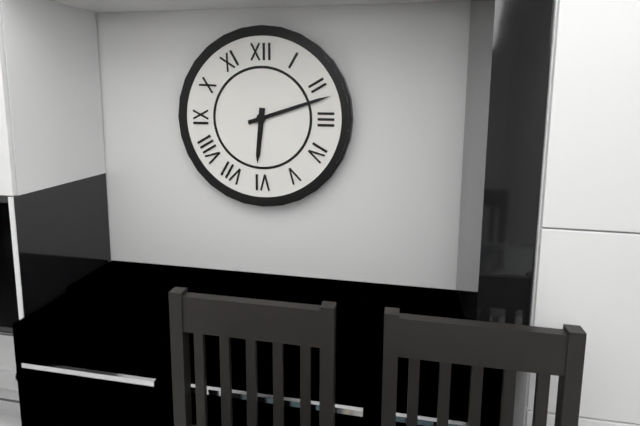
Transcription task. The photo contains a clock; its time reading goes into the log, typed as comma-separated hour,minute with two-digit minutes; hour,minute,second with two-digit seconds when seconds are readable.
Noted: 6,12
